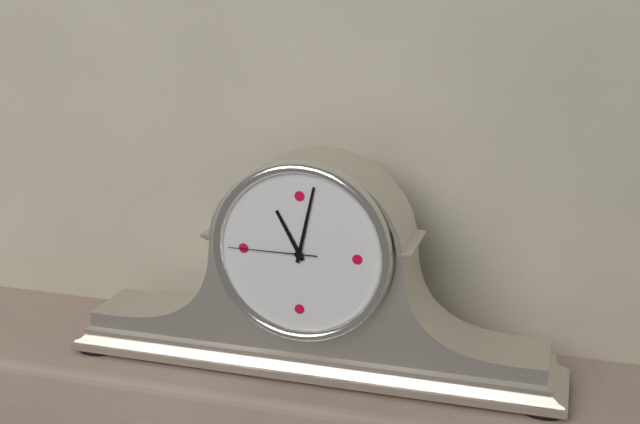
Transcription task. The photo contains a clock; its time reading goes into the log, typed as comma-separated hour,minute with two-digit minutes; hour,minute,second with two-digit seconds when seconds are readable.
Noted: 11,02,45
